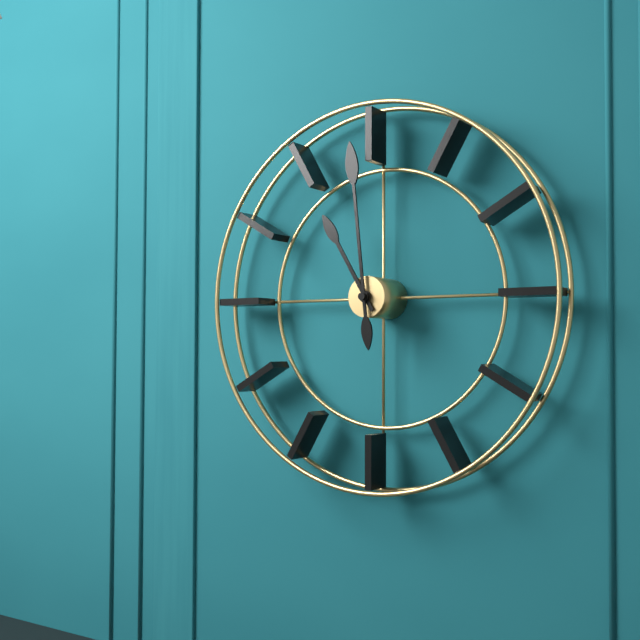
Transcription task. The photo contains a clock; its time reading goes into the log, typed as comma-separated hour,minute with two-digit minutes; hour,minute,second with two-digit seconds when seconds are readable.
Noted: 10,59
